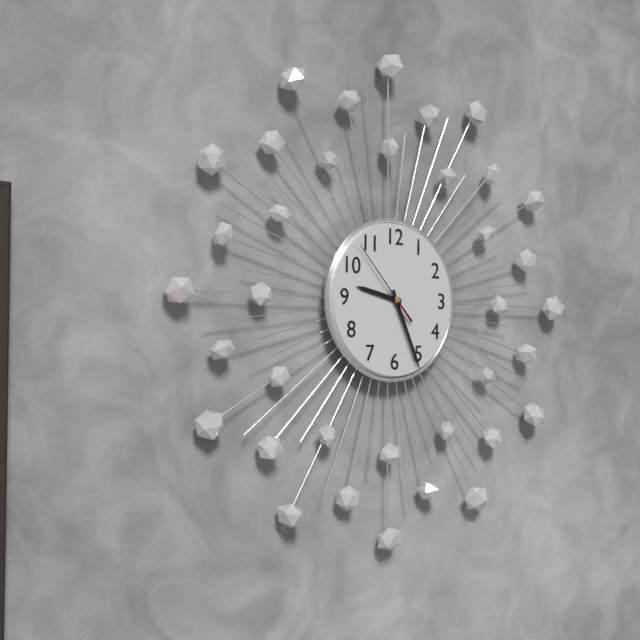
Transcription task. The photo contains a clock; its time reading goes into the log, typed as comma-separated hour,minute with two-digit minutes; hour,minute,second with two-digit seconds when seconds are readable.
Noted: 9,26,53
